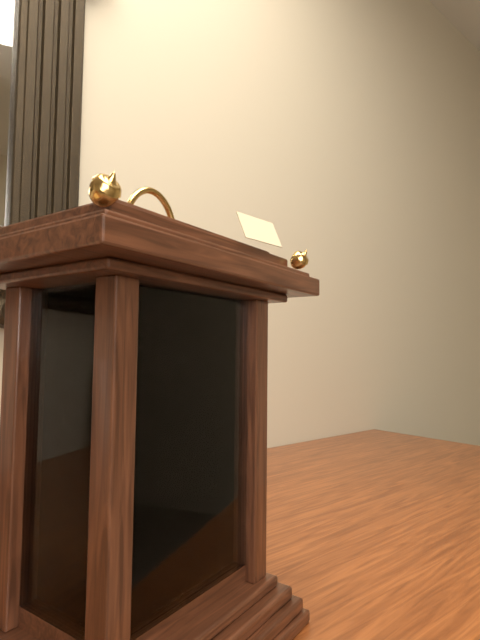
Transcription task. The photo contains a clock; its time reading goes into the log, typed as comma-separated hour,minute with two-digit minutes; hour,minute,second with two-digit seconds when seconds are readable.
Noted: 10,00
